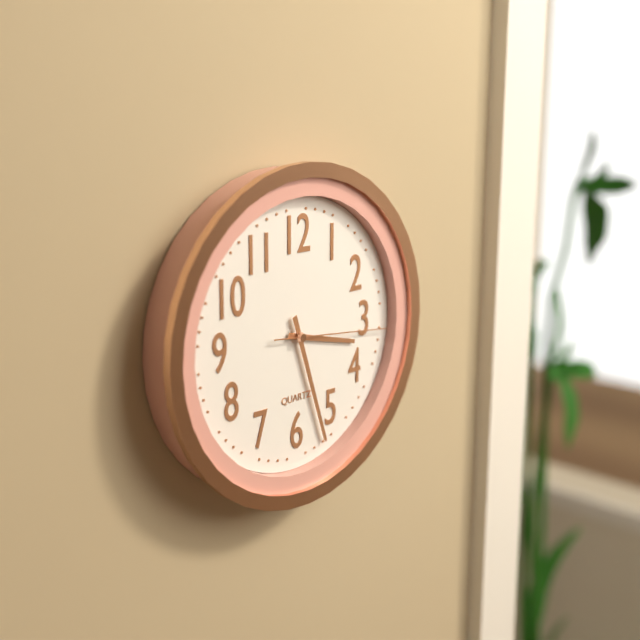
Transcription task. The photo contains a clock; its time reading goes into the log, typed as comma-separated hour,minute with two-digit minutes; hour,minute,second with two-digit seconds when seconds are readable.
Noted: 3,27,16
